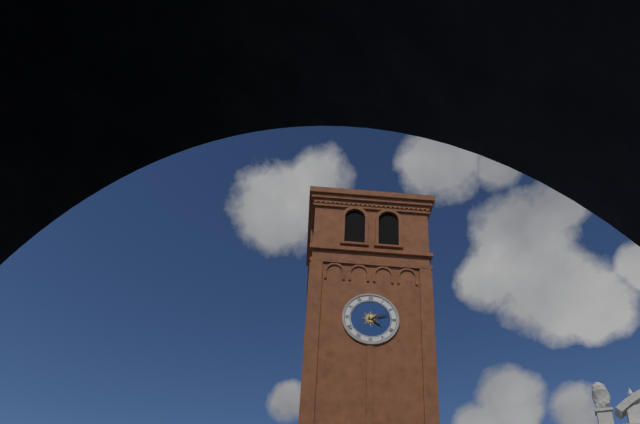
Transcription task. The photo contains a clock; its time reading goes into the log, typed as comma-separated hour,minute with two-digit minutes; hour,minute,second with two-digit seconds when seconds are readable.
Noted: 4,12
